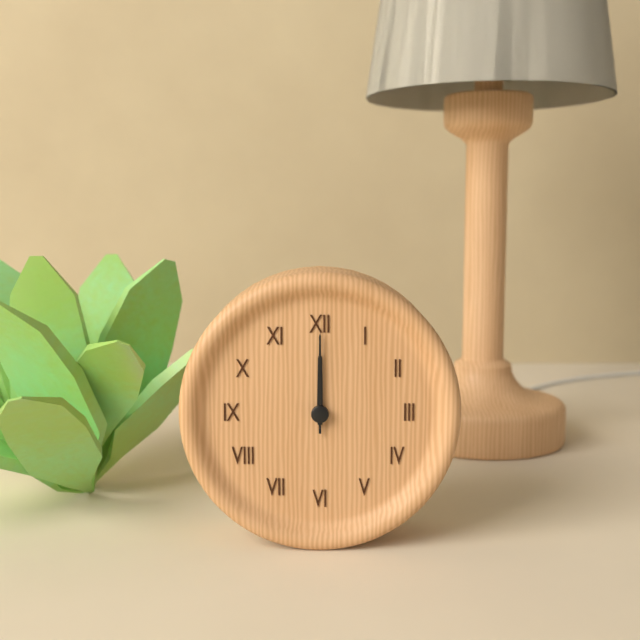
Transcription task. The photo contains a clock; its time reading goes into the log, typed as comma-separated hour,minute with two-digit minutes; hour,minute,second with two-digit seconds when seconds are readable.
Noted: 12,00
